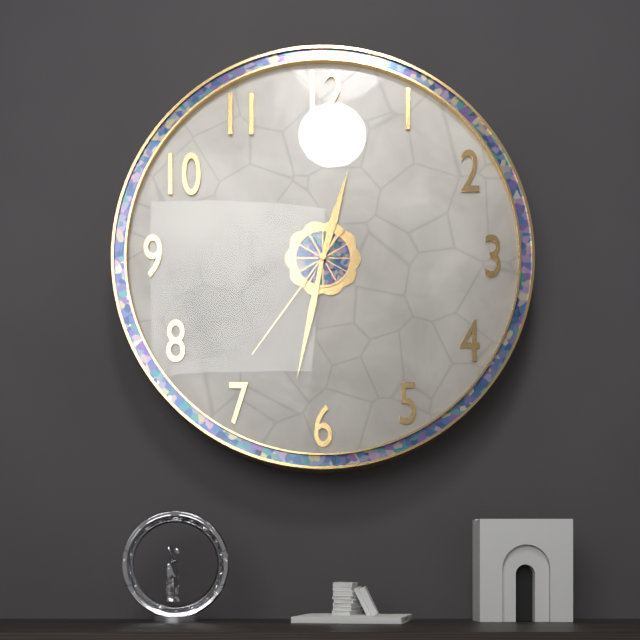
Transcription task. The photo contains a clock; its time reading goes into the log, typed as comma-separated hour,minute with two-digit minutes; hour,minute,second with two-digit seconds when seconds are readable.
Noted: 12,32,36
